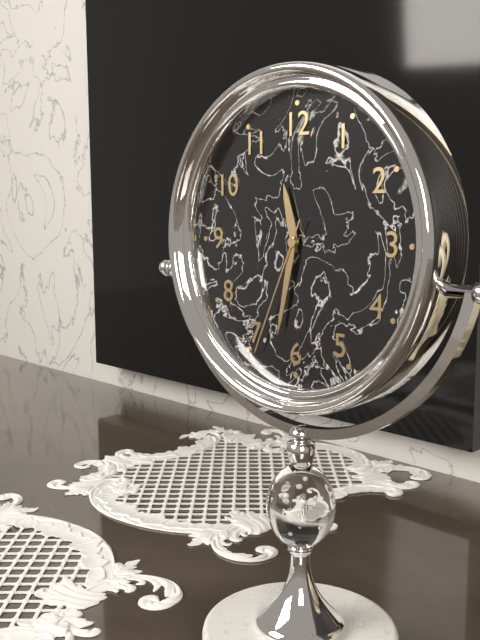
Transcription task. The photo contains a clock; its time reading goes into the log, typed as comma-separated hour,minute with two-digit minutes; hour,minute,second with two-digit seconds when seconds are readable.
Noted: 11,32,34
